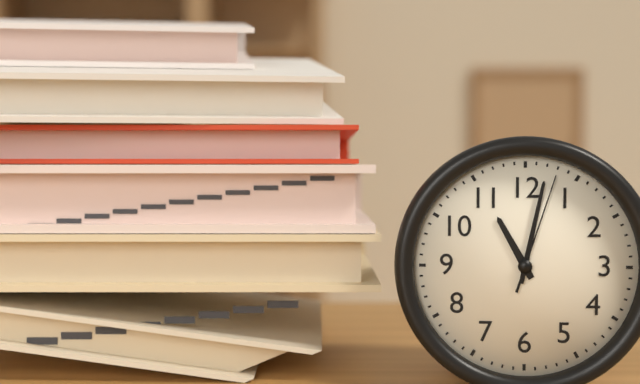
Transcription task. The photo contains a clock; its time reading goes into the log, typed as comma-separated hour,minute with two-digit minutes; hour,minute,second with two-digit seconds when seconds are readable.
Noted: 11,02,03
